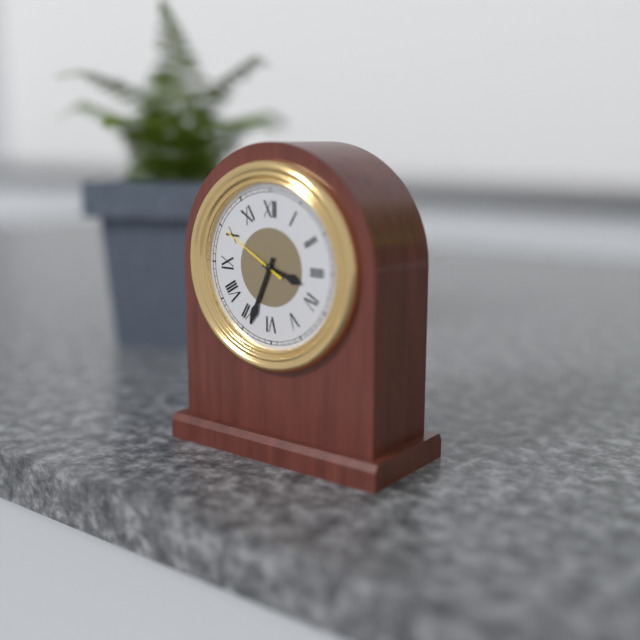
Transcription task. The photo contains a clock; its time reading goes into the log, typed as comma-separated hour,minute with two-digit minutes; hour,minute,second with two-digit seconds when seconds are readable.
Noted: 3,34,50
